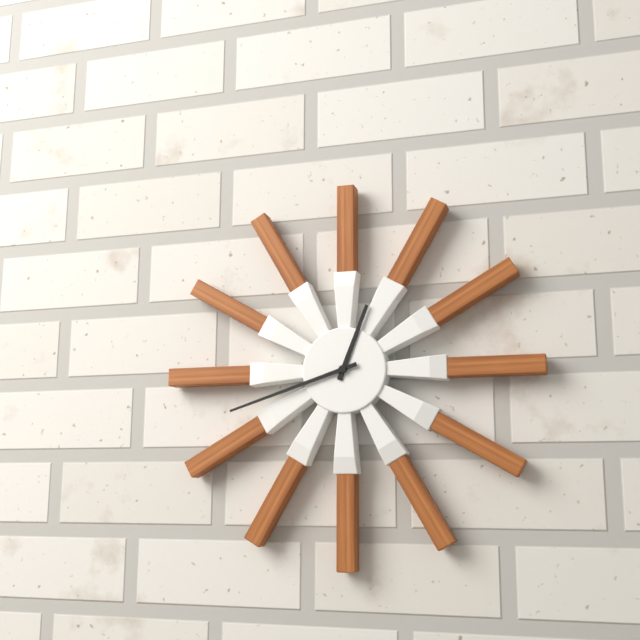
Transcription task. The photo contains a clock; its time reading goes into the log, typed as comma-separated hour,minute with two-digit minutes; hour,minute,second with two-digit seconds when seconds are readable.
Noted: 12,42
